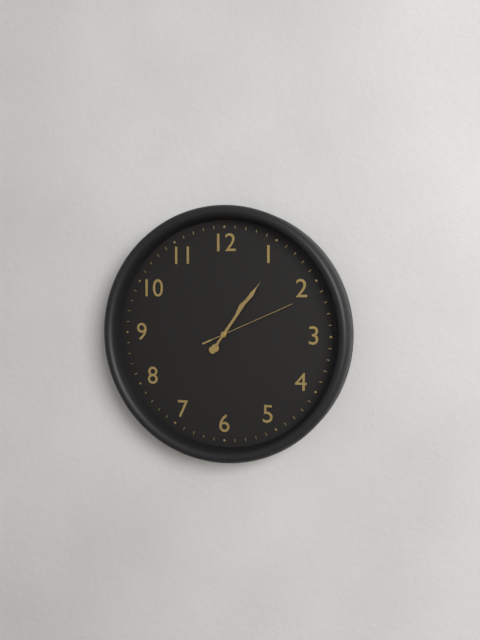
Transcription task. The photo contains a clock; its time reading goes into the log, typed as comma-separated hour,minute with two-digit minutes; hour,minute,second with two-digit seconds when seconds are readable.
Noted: 1,06,11
